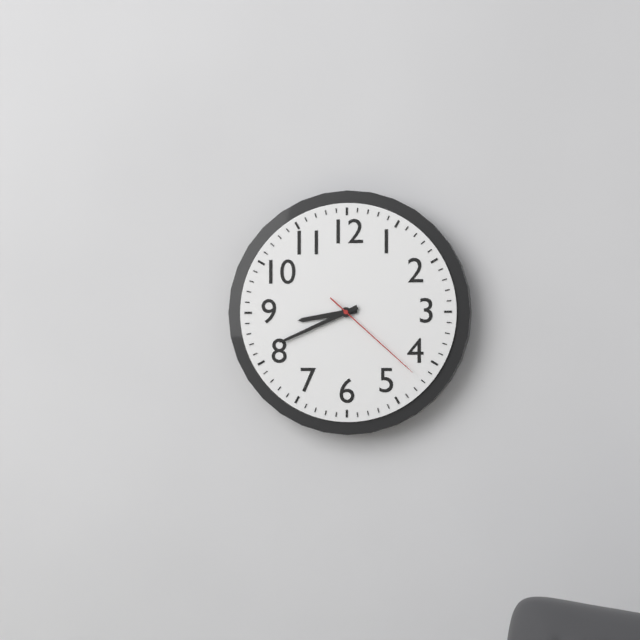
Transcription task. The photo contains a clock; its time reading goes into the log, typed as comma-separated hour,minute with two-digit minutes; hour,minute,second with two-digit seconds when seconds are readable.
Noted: 8,41,22
